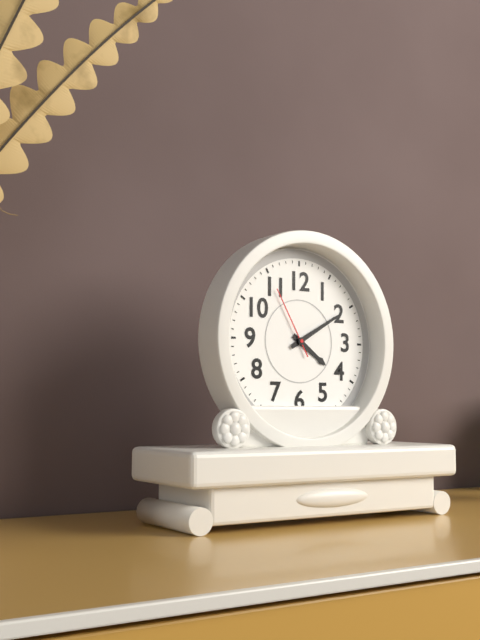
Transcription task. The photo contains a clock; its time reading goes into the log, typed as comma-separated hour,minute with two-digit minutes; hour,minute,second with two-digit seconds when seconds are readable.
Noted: 4,10,55
